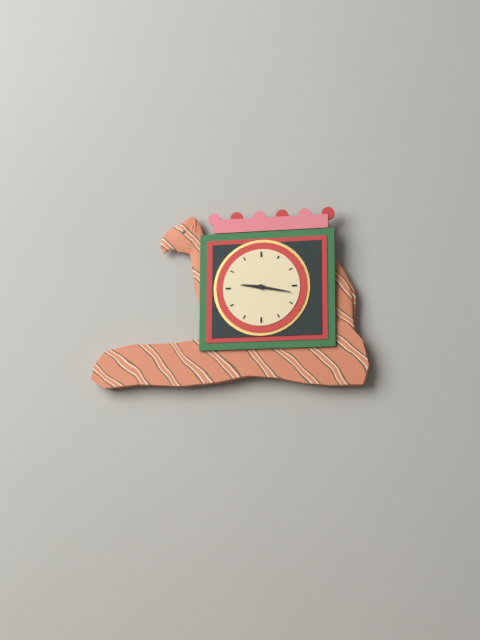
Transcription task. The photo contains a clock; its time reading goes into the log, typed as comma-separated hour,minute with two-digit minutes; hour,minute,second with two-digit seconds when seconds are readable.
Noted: 9,17
